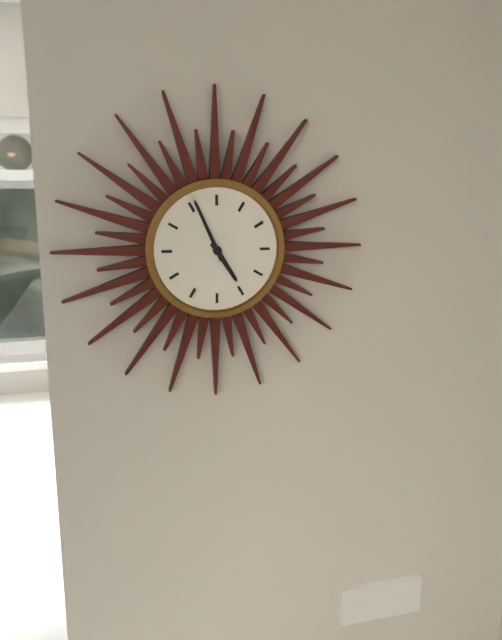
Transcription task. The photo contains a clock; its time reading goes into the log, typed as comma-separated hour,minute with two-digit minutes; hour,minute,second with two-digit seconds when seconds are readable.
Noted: 4,56
